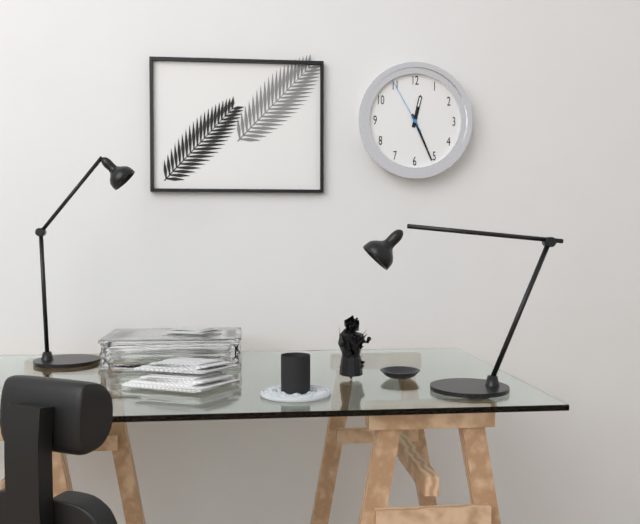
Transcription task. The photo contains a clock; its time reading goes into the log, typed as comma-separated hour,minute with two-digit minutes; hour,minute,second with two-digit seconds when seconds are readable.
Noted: 12,26,55
